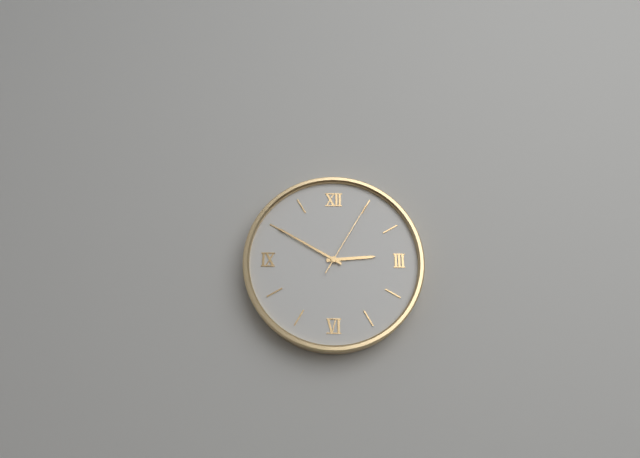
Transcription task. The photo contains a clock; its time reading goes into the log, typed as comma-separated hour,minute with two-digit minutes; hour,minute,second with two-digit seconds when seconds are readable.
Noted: 2,50,05
